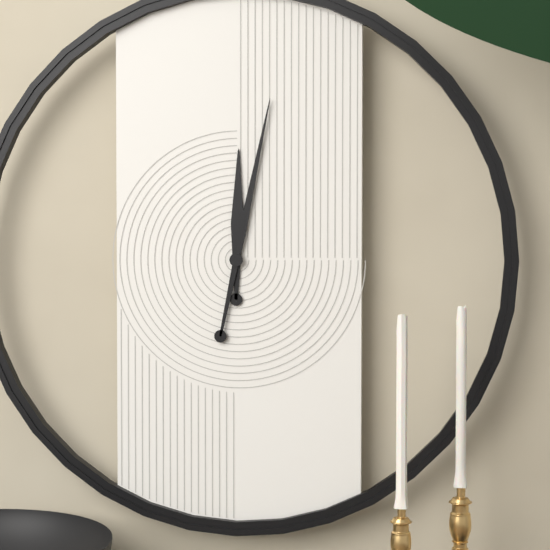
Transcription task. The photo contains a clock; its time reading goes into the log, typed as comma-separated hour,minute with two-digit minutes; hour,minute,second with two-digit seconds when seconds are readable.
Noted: 12,02
